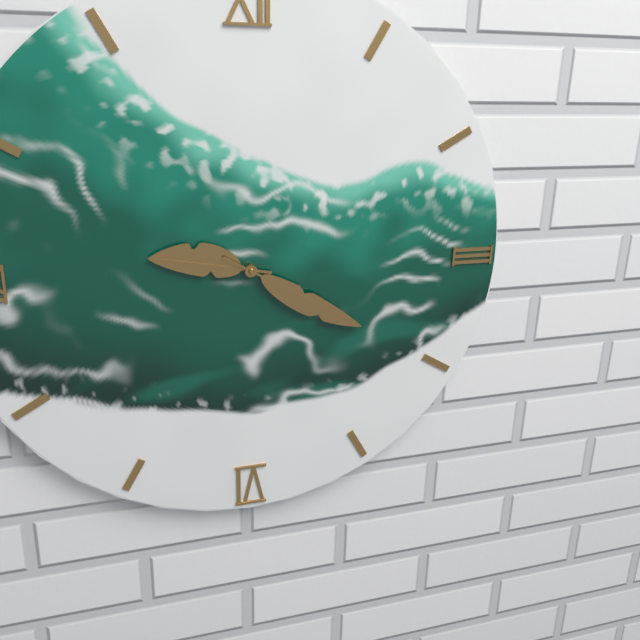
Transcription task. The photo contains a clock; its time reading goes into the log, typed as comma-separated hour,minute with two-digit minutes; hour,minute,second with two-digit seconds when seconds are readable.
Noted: 9,20
